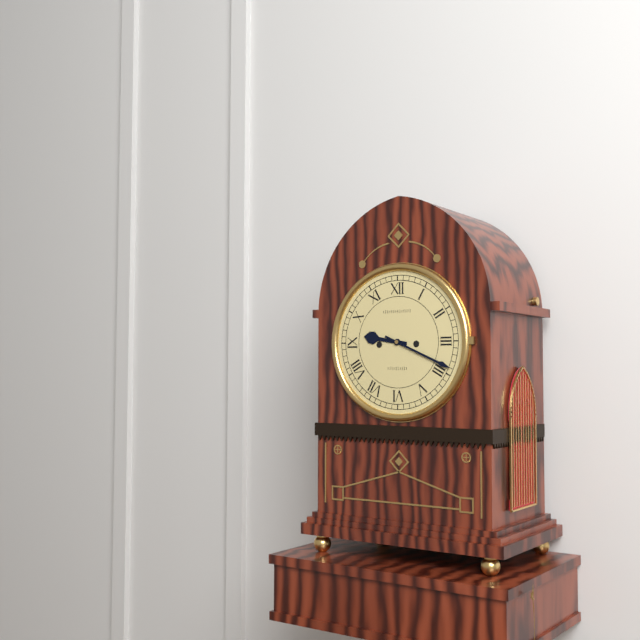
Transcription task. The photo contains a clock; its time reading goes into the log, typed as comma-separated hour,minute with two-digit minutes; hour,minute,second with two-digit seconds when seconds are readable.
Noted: 9,19
